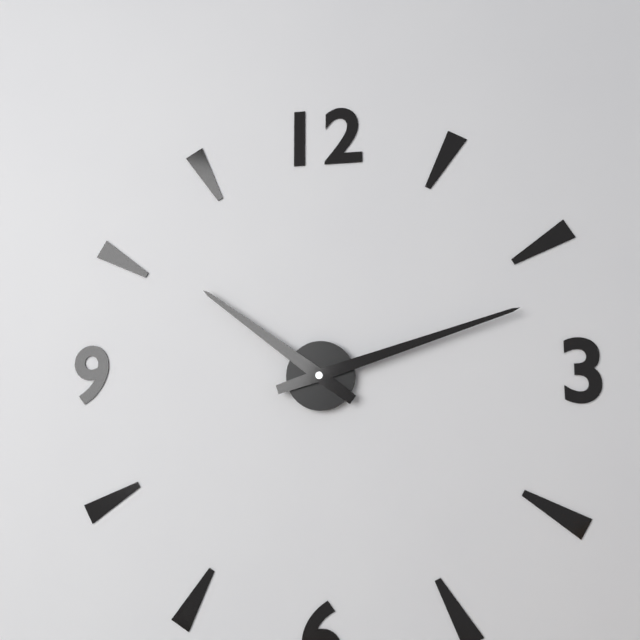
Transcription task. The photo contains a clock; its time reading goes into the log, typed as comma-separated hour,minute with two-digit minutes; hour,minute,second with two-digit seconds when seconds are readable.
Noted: 10,12
